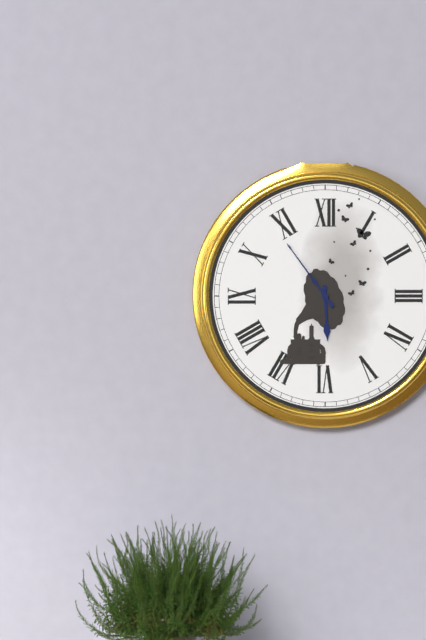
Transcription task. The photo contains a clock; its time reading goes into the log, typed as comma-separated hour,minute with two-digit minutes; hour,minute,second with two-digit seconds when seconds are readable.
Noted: 5,54
